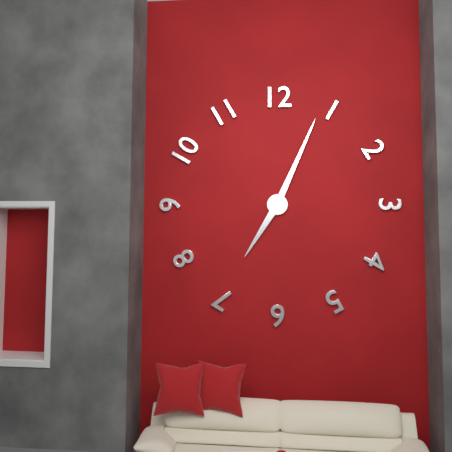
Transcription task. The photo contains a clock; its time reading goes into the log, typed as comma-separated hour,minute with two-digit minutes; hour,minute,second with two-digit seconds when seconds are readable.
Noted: 7,04
